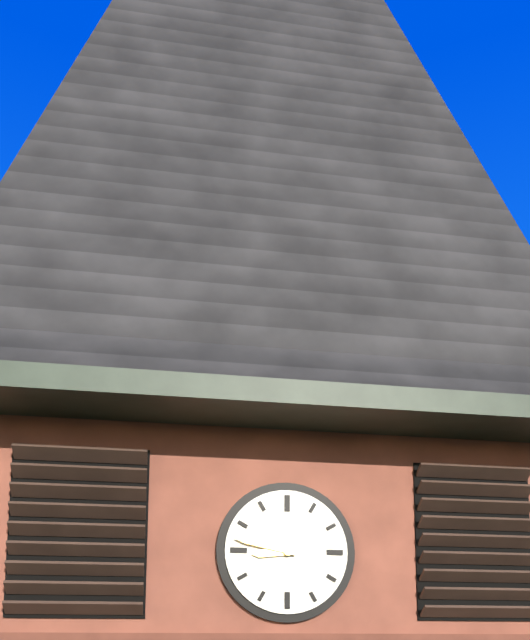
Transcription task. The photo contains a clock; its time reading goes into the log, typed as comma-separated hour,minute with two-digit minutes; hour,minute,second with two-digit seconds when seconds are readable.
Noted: 8,47
